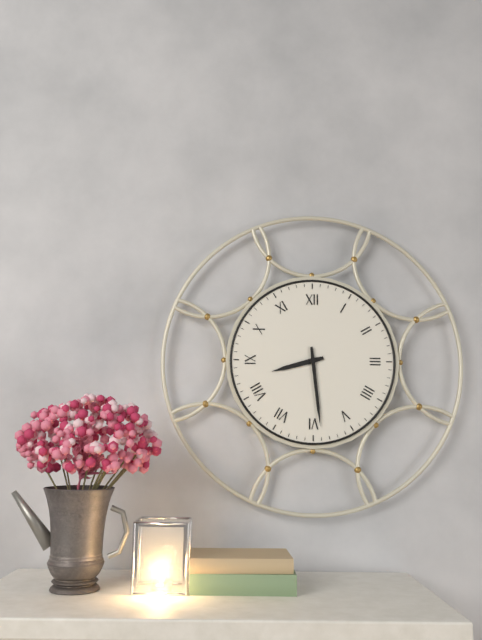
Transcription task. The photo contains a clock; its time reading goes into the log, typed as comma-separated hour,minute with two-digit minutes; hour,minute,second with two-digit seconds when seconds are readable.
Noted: 8,29
